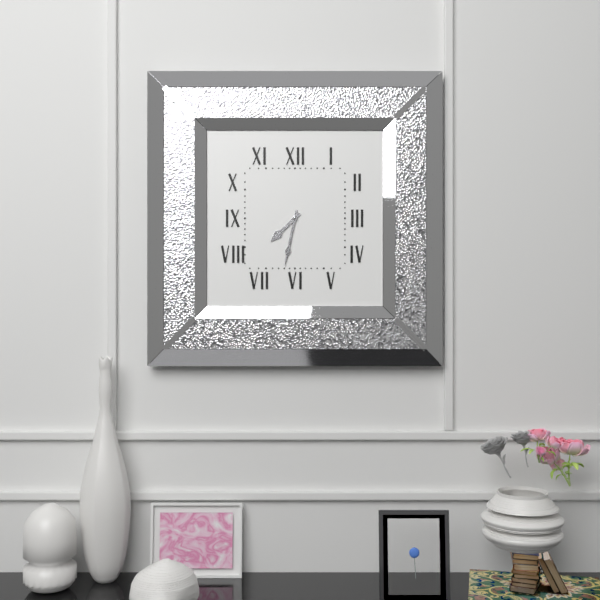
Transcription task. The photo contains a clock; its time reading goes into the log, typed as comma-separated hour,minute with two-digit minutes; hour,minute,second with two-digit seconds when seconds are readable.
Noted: 7,32
